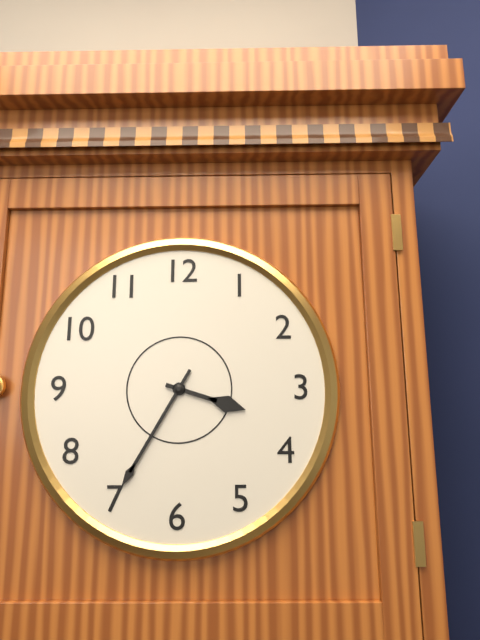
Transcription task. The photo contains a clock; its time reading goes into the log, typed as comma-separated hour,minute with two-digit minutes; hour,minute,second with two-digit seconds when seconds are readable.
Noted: 3,35
